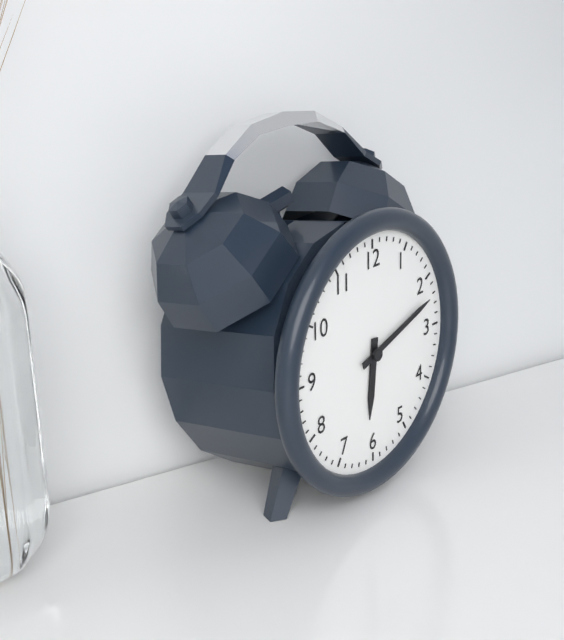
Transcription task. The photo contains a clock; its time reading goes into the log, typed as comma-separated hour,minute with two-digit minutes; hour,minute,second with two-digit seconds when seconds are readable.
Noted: 6,12
